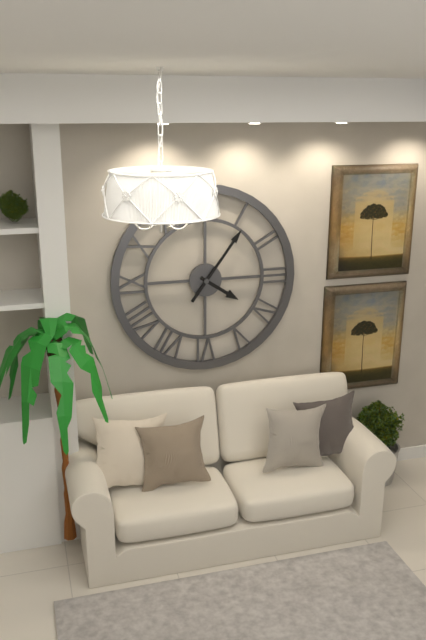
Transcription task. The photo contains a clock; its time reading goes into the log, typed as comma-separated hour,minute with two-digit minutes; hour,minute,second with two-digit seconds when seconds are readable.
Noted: 4,06
